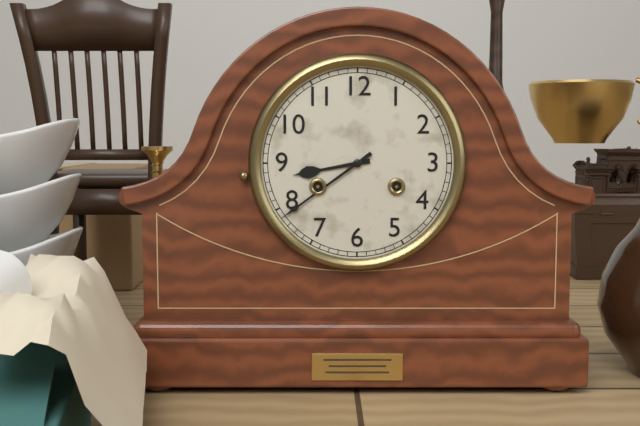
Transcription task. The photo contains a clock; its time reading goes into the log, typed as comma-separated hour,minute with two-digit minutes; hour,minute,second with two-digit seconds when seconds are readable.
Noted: 8,39
